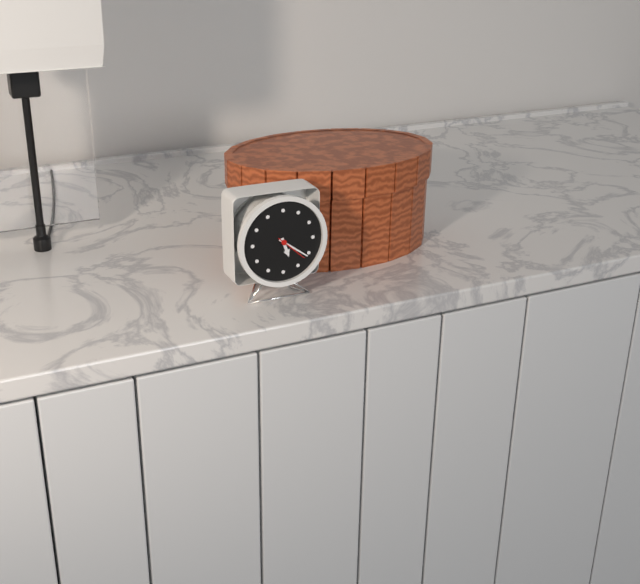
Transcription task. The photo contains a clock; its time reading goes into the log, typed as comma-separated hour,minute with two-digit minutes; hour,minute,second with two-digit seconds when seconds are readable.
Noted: 5,21
